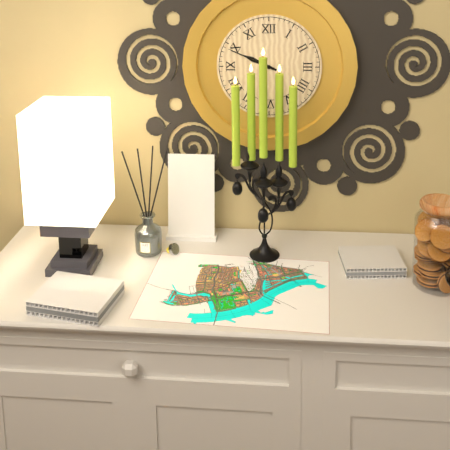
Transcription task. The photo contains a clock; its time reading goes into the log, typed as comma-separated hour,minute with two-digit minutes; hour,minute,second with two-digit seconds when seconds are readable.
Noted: 9,49
